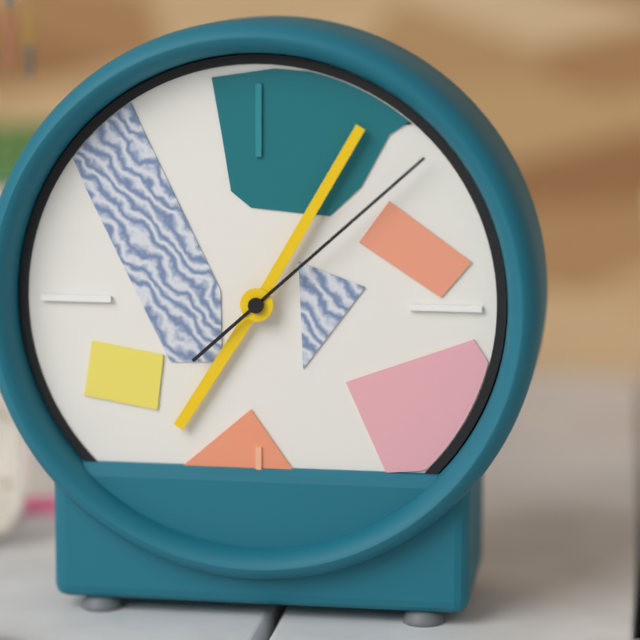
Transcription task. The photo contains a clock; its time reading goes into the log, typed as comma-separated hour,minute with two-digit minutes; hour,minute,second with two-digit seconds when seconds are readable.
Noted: 7,05,08
